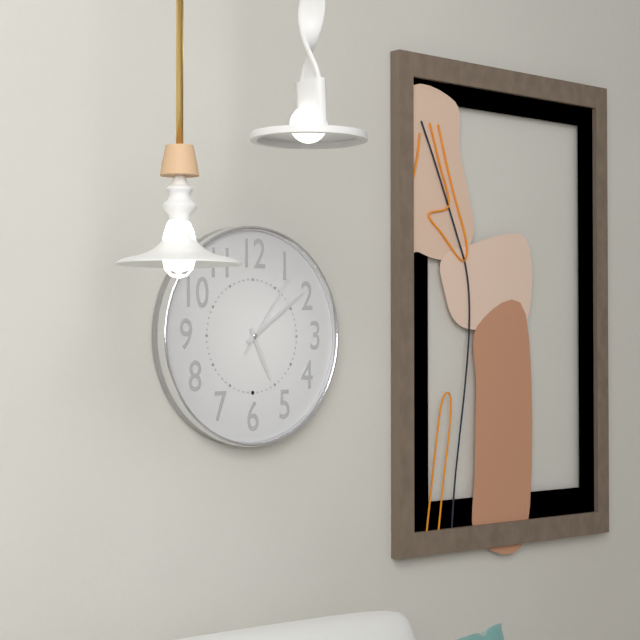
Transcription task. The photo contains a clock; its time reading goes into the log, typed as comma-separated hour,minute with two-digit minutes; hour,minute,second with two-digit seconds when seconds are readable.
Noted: 5,09,06
